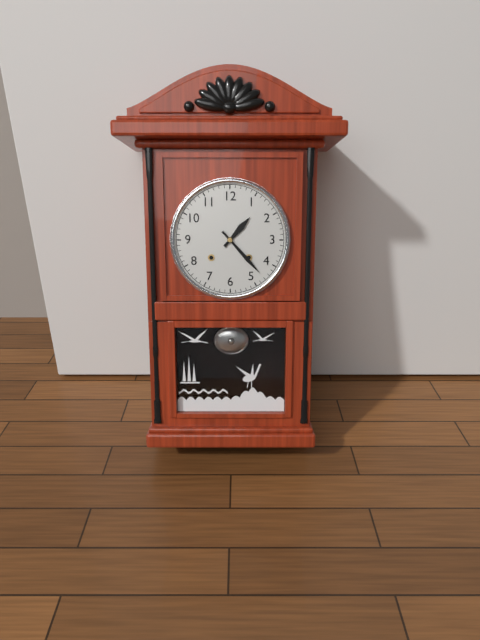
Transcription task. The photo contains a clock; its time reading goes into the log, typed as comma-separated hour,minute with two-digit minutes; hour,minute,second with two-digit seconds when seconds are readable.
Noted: 1,23
